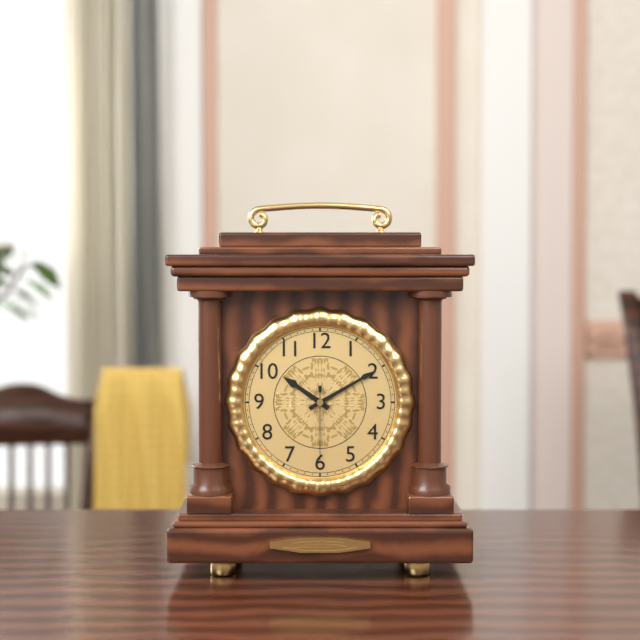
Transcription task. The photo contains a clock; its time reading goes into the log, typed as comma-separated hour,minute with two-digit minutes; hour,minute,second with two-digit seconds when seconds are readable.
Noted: 10,10,30
